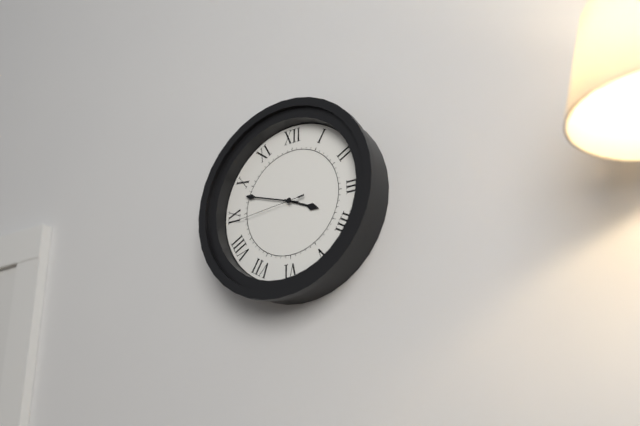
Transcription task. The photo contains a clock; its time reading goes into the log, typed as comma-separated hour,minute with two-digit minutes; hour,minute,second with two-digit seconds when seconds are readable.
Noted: 3,48,44
